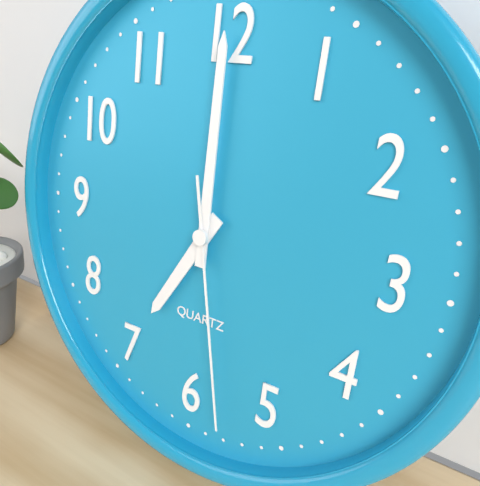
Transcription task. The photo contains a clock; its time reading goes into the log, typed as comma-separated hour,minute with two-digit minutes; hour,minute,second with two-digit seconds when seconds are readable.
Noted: 7,00,28
